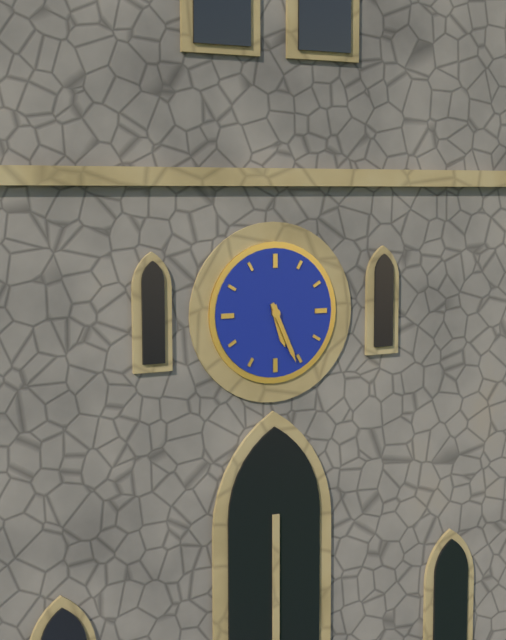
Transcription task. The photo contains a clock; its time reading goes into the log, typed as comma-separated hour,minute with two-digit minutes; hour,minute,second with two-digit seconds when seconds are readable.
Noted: 5,26
